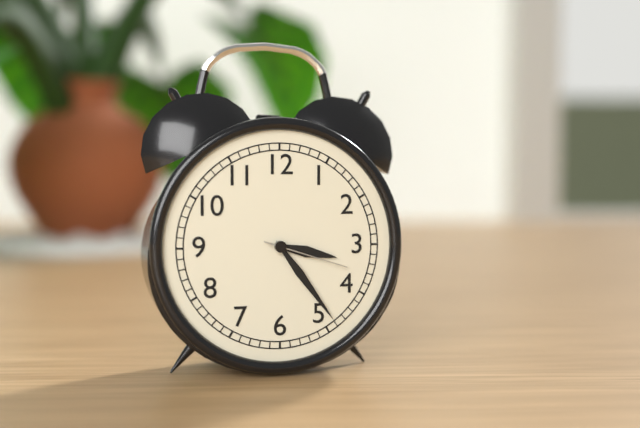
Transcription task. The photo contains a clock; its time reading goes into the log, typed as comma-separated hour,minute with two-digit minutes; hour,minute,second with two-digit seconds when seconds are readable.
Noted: 3,24,18
